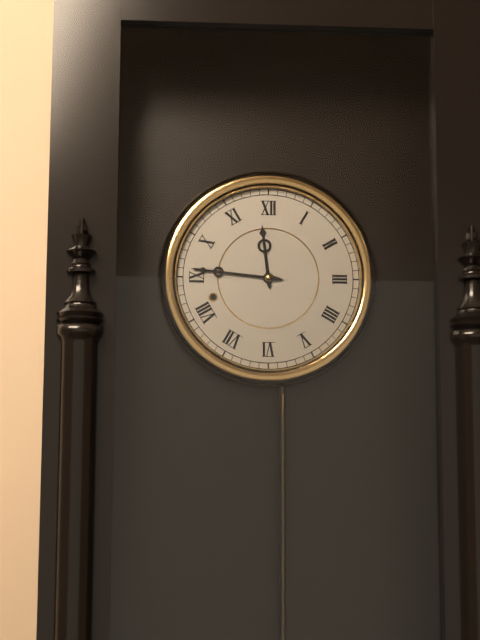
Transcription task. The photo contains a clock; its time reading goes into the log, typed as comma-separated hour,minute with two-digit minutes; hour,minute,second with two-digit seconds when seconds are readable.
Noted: 11,46
